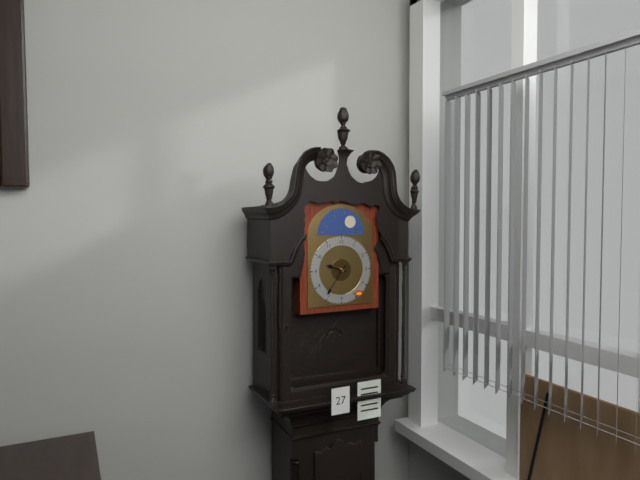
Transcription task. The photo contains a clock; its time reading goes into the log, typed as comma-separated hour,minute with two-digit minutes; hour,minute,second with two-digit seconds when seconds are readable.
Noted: 9,36
